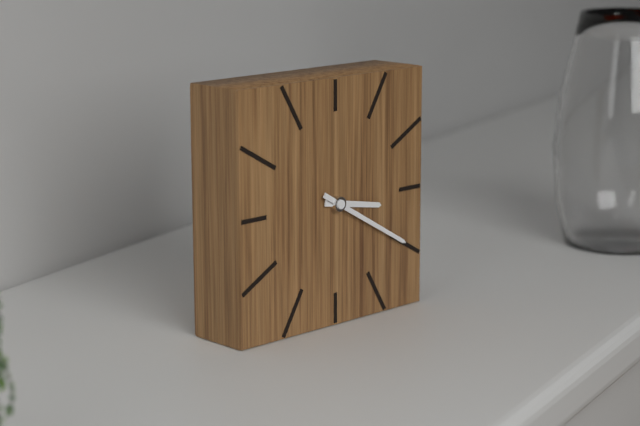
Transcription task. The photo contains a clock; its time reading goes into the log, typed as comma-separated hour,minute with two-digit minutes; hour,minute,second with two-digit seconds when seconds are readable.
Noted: 3,20
